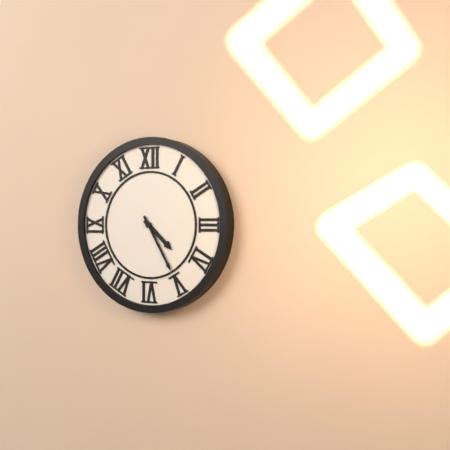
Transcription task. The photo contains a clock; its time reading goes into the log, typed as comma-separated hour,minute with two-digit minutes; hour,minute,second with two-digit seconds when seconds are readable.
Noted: 4,25
